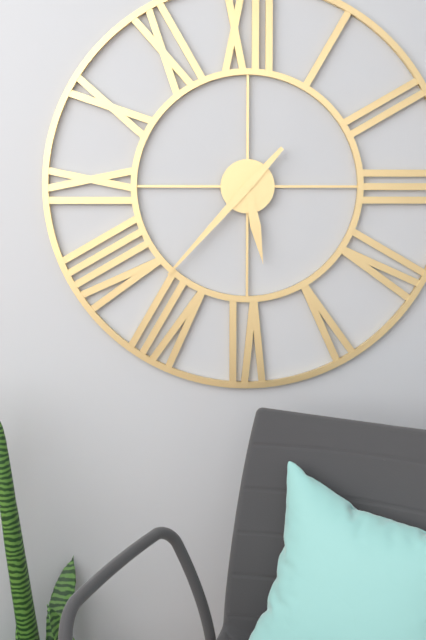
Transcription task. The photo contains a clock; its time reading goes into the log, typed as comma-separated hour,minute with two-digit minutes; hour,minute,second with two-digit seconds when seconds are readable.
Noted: 5,37
